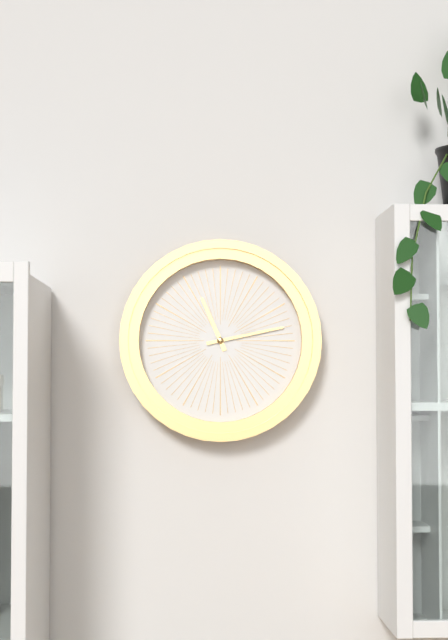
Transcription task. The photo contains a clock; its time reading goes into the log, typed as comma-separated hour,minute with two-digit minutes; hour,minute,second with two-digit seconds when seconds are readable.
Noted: 11,13
